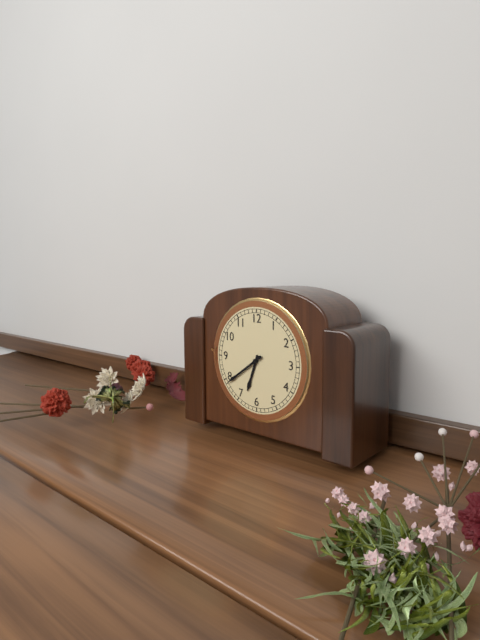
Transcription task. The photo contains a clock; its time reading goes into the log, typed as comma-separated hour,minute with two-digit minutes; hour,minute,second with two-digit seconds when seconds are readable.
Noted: 6,39
